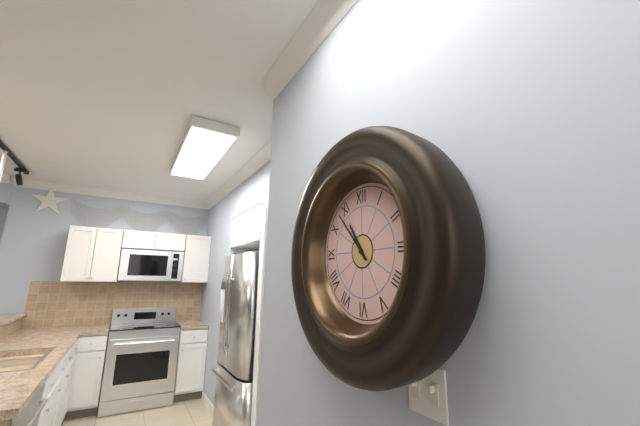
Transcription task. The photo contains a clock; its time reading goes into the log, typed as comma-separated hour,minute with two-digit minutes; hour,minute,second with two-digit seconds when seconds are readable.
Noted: 10,53
